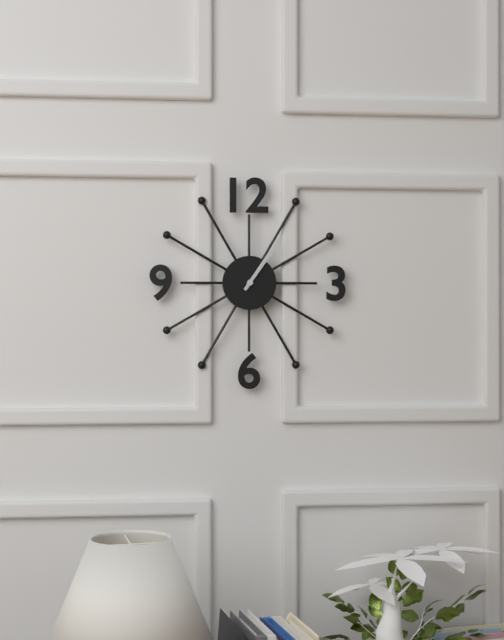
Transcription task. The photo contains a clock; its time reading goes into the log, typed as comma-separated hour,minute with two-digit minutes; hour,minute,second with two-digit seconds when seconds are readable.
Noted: 1,06
